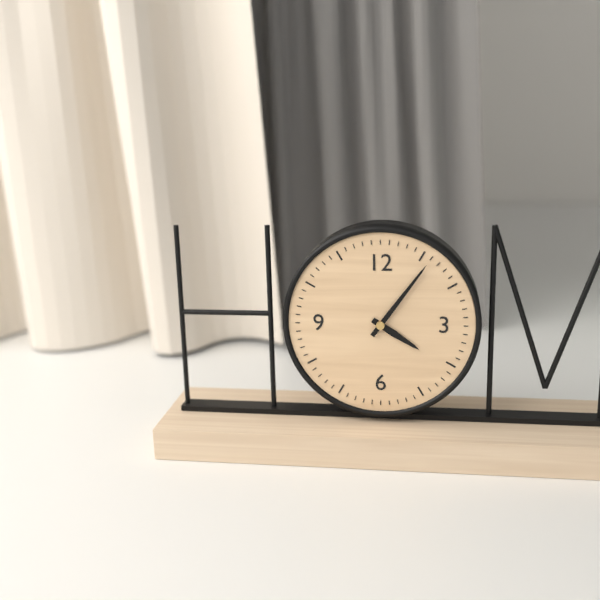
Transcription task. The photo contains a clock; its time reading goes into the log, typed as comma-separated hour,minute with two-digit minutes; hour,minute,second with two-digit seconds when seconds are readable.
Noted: 4,06
